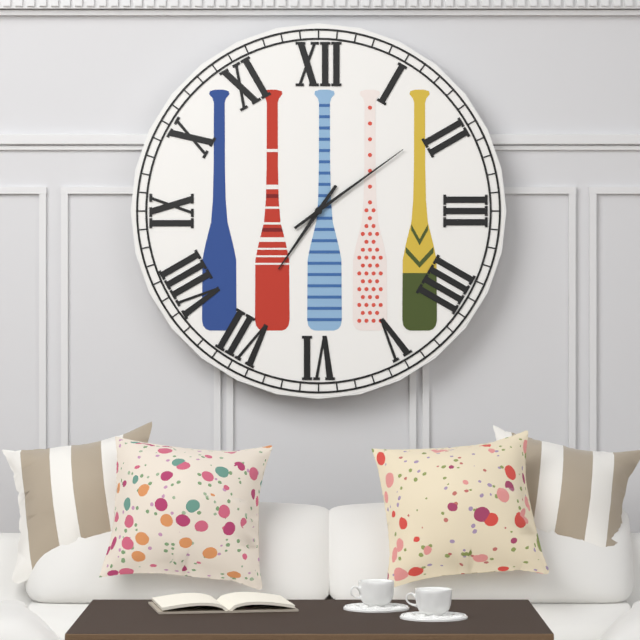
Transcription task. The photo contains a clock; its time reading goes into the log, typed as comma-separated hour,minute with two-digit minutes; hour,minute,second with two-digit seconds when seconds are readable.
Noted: 7,09
